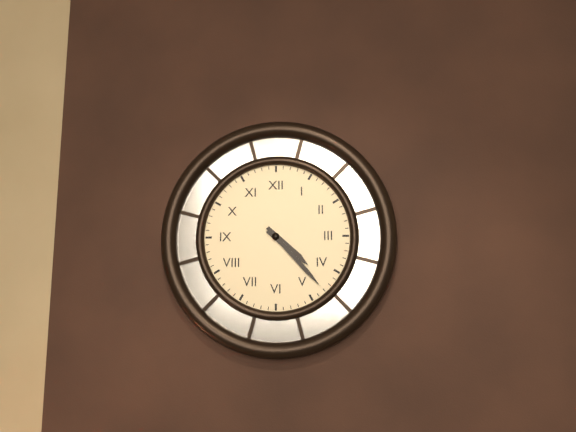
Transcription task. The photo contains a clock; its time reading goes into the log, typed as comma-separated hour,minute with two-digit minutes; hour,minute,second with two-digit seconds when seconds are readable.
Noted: 4,23
